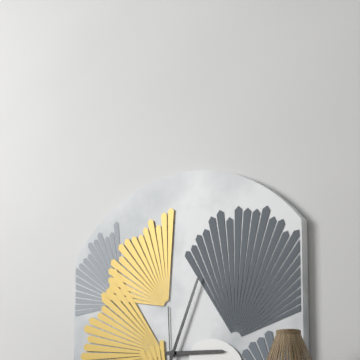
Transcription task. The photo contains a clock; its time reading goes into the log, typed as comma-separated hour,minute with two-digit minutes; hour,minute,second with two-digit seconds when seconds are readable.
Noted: 3,04
